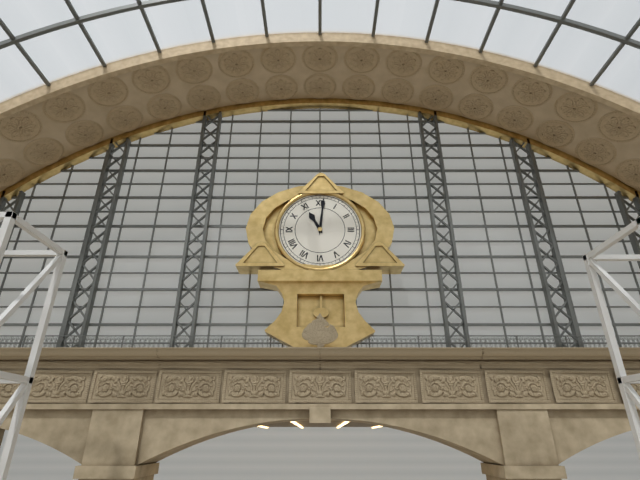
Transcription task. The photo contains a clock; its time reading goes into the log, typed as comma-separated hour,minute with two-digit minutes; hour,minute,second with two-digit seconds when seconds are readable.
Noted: 11,01
